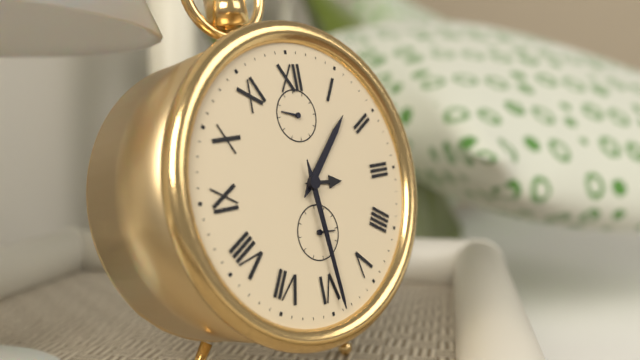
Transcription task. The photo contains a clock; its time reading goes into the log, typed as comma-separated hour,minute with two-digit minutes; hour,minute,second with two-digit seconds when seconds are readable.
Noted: 1,29
